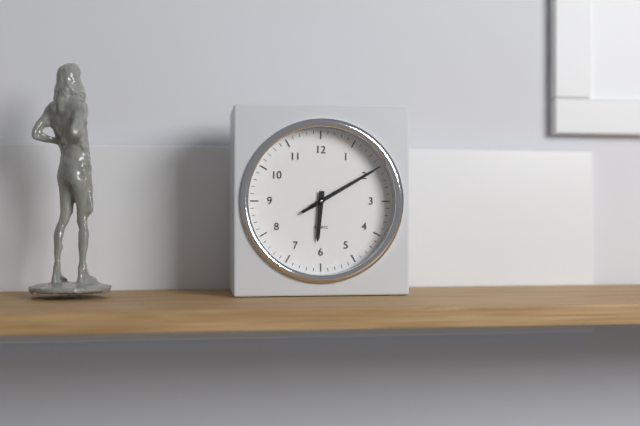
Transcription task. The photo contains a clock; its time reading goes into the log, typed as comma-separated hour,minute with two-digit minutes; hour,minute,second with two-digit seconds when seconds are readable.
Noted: 6,10,10
